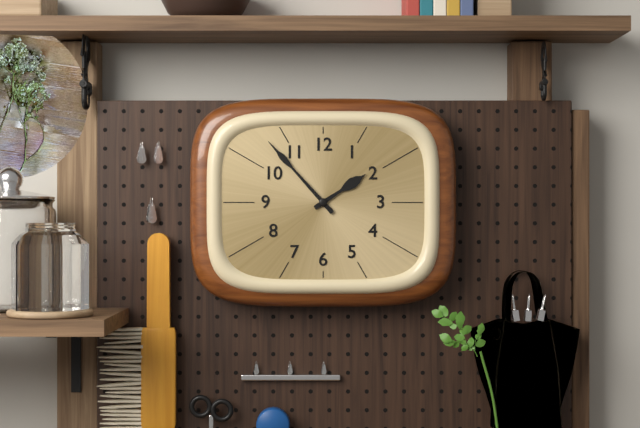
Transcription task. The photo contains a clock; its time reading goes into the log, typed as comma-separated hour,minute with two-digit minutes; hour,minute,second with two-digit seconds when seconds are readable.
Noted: 1,53
